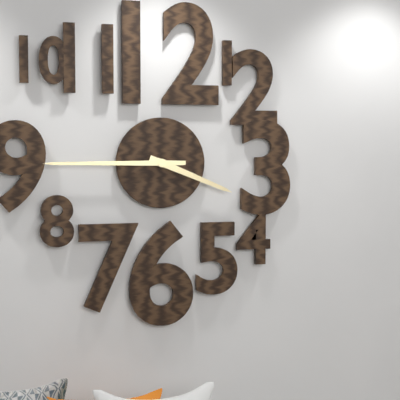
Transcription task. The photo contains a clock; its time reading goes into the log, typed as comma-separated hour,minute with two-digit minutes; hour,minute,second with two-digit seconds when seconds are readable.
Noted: 3,45
